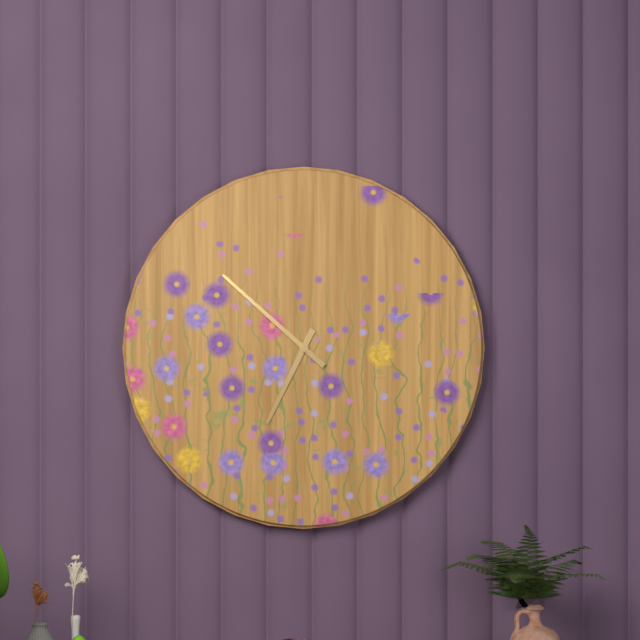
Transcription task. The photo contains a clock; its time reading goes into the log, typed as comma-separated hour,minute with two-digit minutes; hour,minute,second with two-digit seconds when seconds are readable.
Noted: 6,52
